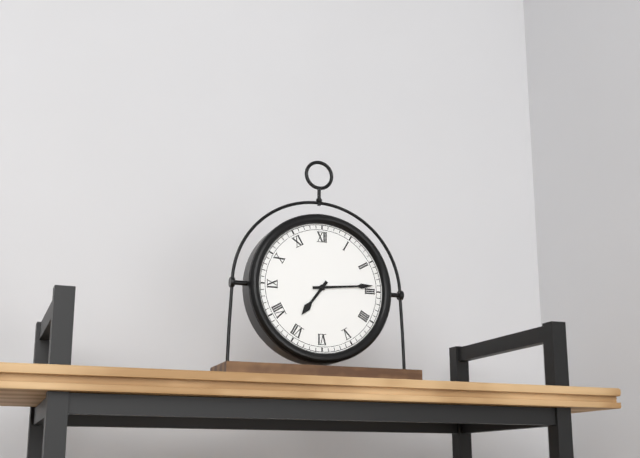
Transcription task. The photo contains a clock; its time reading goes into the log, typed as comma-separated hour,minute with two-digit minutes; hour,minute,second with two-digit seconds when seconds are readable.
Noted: 7,14
